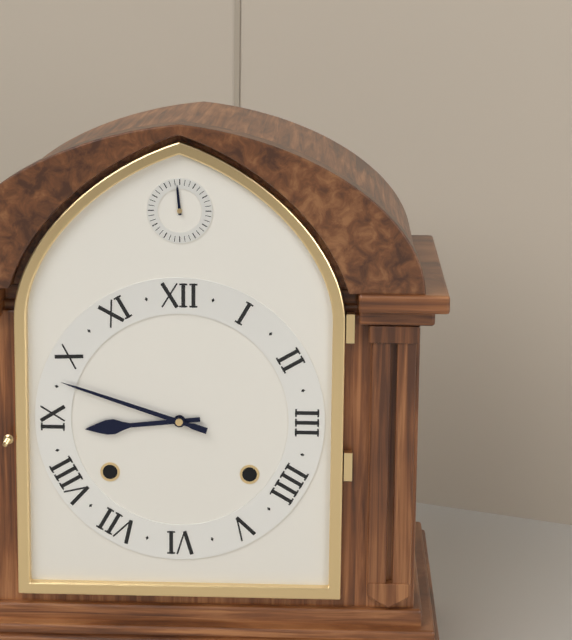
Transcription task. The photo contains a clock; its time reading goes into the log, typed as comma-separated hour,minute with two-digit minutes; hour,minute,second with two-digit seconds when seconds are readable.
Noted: 8,48
